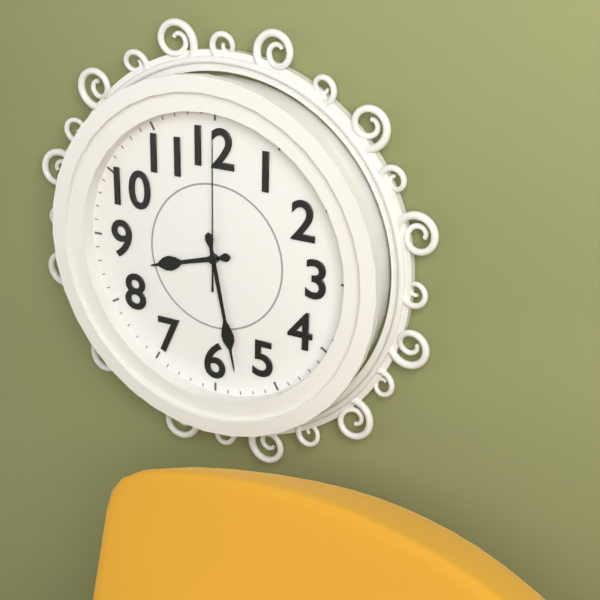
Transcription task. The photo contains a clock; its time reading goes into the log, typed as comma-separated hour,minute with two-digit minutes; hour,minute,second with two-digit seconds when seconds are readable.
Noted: 8,28,00
